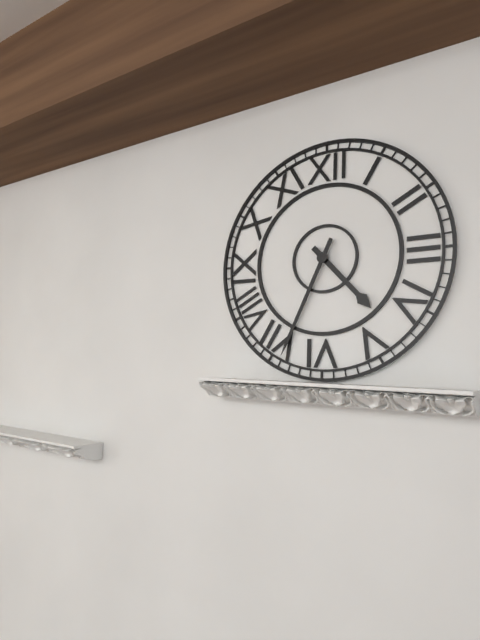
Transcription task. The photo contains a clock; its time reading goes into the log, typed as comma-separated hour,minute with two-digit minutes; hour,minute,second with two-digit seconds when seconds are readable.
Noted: 4,34
